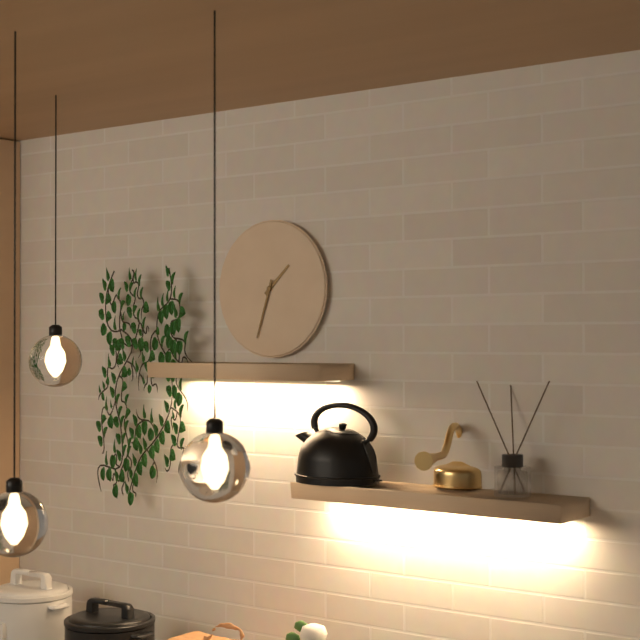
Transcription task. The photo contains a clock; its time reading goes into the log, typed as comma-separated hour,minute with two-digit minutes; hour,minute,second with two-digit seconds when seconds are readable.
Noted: 1,33
